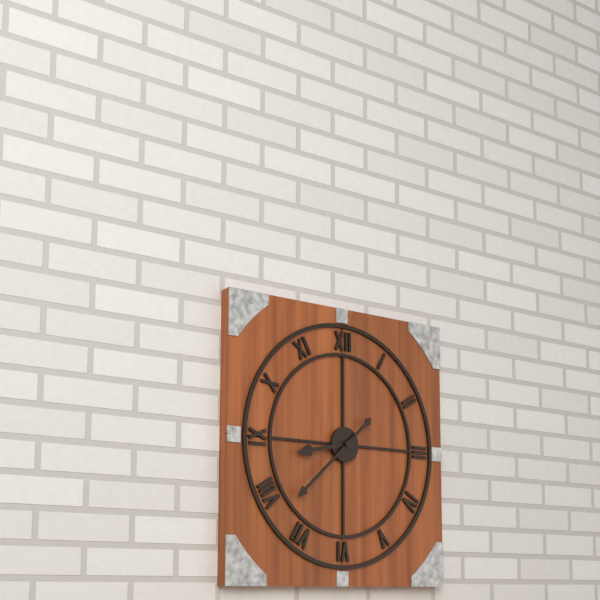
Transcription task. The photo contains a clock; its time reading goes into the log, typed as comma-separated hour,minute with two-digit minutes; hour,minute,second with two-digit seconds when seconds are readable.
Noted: 8,38
